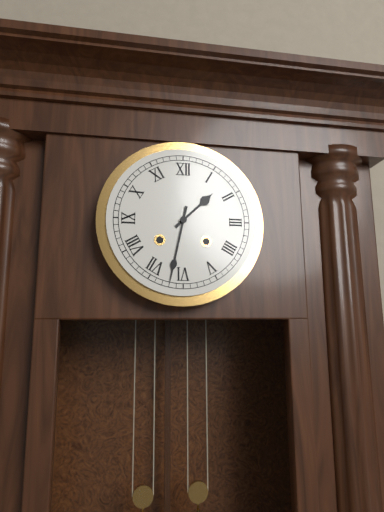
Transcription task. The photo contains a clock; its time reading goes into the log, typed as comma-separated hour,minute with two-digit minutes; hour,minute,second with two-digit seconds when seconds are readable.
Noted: 1,32
